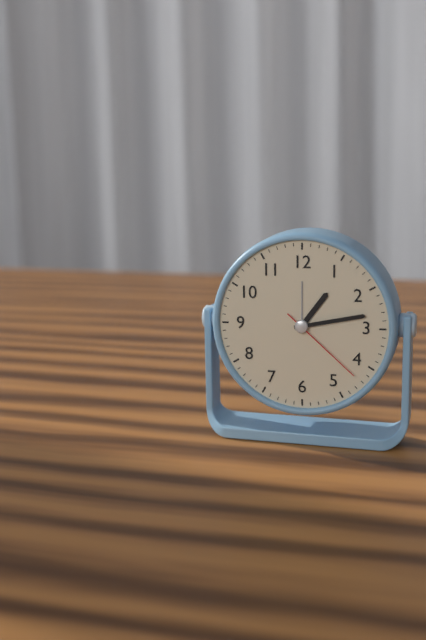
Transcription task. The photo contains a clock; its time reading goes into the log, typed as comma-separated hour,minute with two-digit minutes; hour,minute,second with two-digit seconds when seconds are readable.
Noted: 1,13,22
